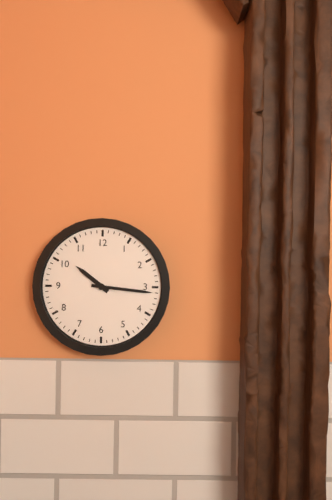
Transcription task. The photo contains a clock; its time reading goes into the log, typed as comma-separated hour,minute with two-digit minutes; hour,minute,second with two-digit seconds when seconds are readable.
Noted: 10,16
